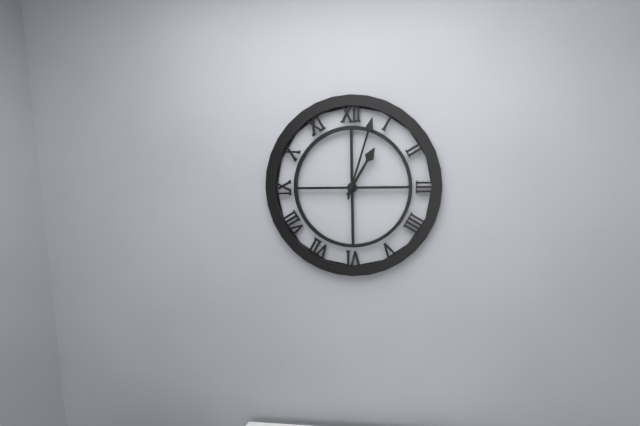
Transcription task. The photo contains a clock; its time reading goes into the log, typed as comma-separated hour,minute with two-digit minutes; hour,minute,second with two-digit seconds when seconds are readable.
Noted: 1,03
